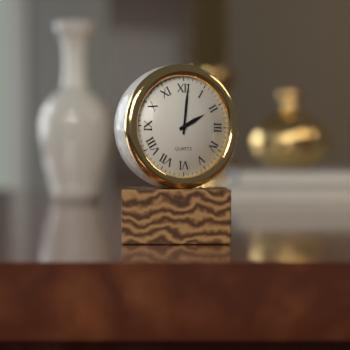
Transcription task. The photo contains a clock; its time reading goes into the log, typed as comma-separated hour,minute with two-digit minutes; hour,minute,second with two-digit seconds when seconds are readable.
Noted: 2,01
